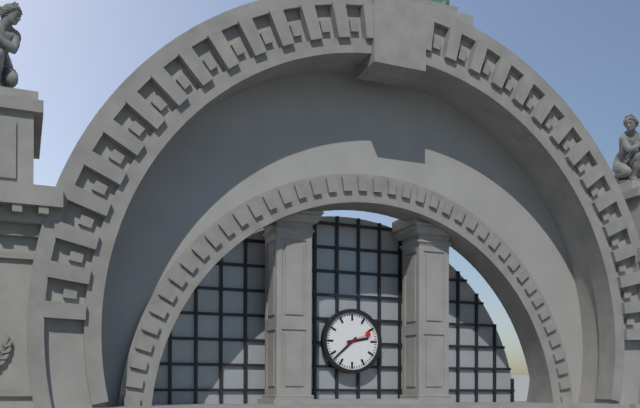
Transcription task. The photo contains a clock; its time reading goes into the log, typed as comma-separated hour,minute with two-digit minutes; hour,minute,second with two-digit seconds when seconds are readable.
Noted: 2,38
